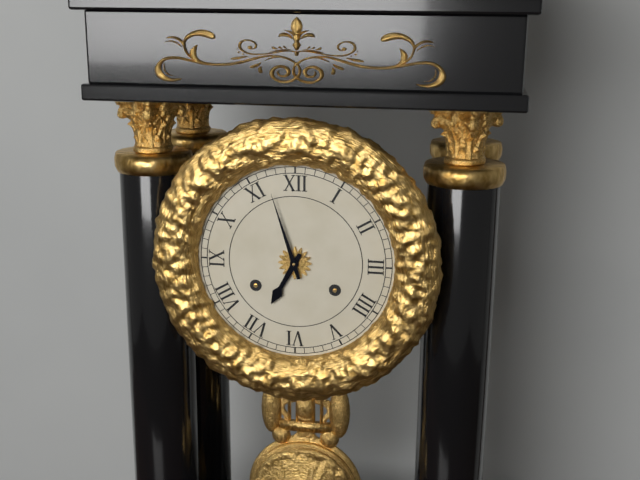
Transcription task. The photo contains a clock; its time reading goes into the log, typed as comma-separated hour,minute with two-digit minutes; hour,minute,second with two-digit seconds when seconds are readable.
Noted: 6,57
